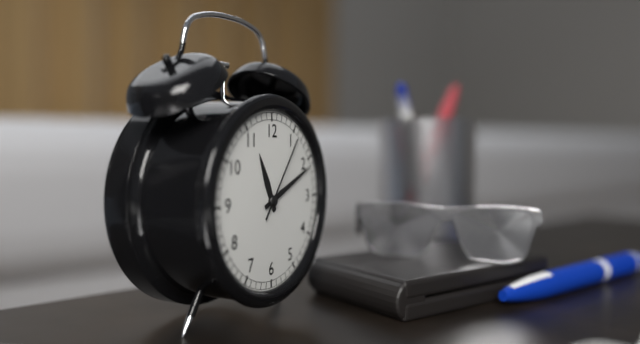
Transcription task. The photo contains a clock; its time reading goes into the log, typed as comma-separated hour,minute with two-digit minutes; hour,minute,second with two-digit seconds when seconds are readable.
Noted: 11,11,06
